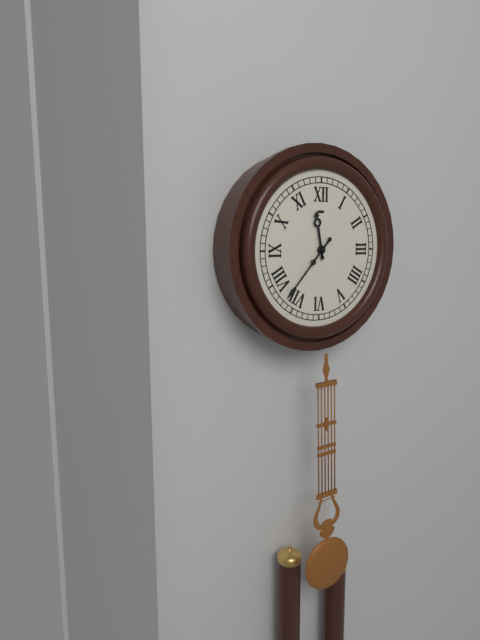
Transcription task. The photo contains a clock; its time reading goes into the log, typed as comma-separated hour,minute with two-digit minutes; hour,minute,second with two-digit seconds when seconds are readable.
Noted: 11,37
